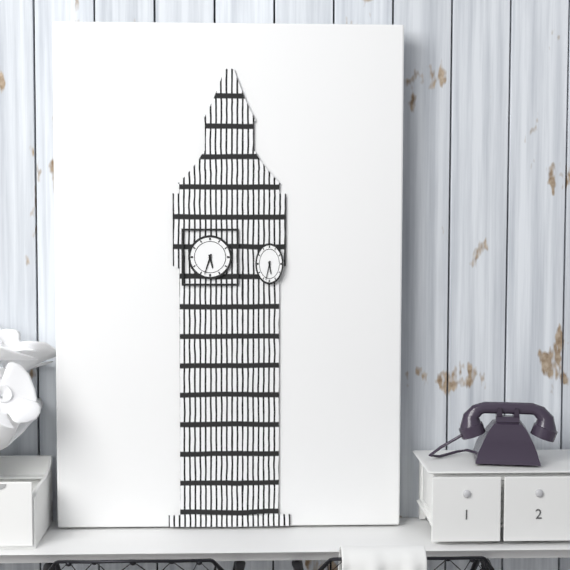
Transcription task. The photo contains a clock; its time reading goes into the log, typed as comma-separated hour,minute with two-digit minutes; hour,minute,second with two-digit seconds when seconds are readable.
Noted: 5,33
